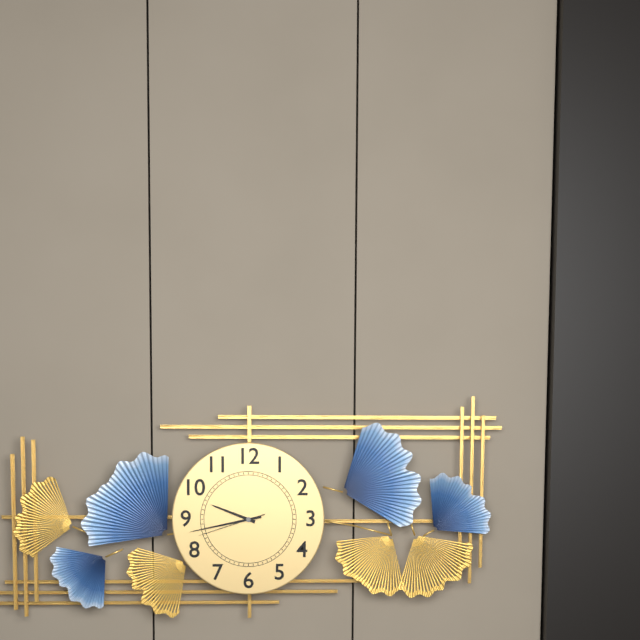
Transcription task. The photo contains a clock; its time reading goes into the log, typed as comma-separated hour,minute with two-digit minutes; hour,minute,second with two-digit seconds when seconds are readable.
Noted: 9,43,42
